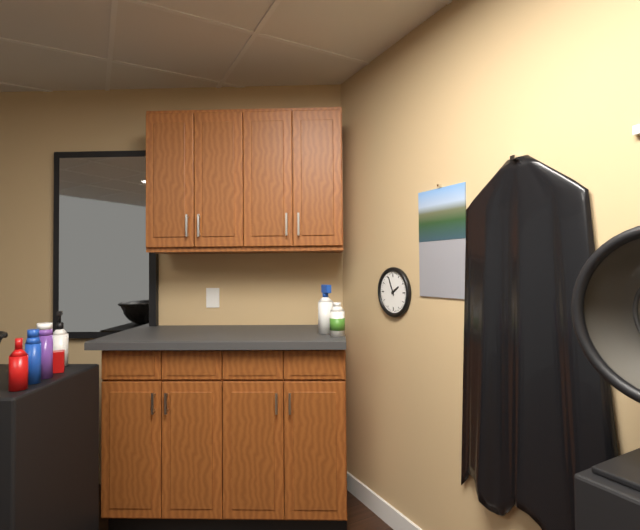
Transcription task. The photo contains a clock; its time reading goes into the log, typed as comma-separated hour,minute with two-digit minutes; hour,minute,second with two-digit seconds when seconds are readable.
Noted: 1,56
